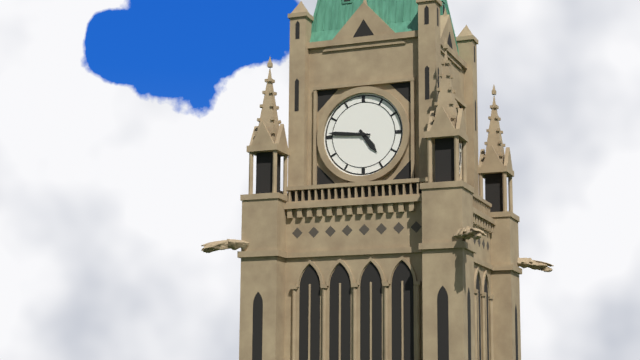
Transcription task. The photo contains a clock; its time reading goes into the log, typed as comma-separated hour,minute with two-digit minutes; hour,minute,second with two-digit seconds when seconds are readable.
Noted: 4,46
